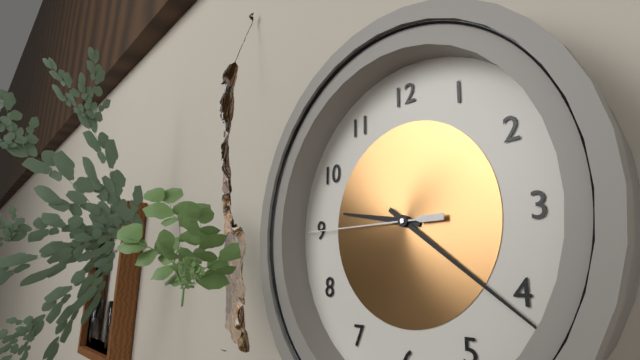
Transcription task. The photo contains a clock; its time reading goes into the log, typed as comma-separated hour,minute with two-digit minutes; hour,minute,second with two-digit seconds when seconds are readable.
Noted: 9,21,45
